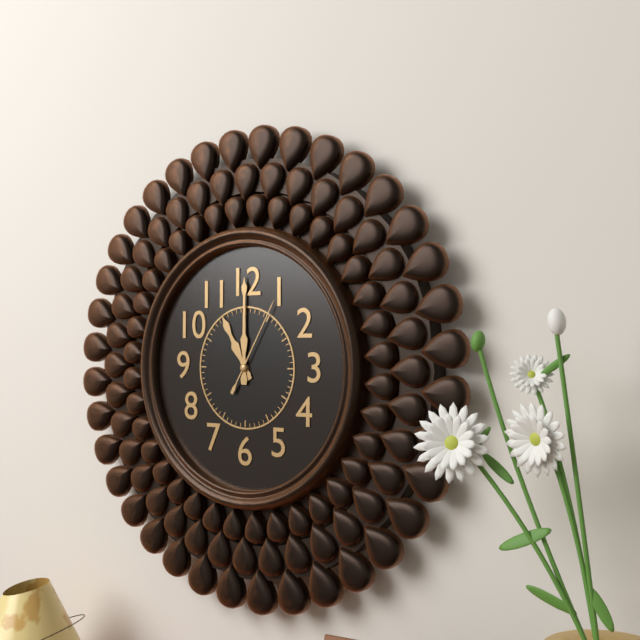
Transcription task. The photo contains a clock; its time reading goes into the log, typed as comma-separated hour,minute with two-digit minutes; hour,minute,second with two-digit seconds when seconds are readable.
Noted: 11,00,05
